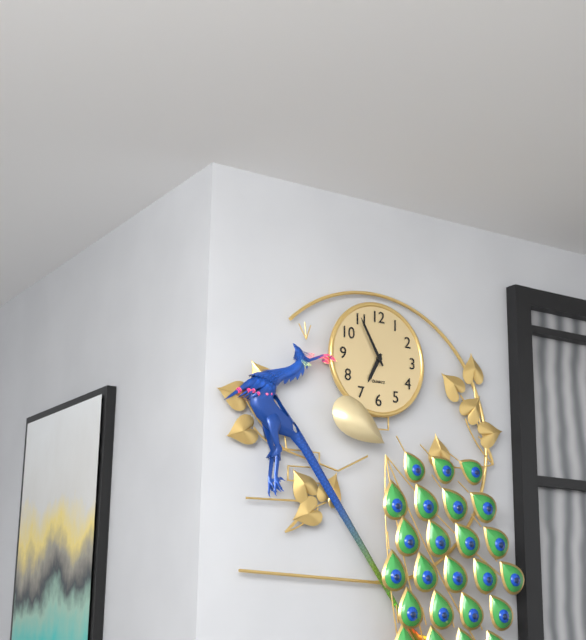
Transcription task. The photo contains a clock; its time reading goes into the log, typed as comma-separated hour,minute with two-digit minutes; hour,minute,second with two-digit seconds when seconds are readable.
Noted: 6,55
